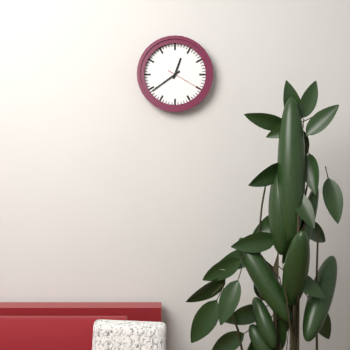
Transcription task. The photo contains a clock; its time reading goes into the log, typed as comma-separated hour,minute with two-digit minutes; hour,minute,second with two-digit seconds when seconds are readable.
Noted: 12,39
